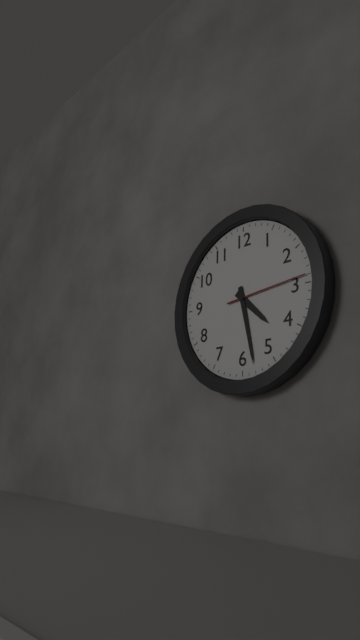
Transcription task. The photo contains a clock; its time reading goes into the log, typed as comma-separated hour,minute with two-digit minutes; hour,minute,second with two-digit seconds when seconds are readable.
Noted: 4,28,14
